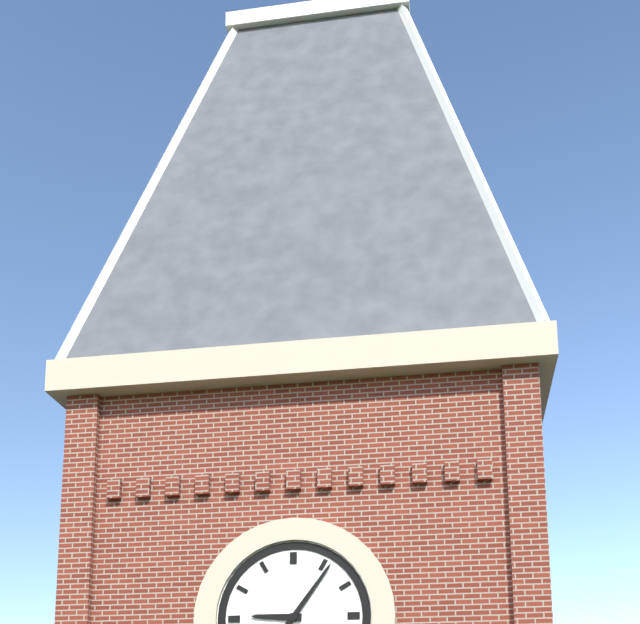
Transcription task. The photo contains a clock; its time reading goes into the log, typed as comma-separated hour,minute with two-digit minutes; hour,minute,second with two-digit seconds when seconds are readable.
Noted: 9,06
